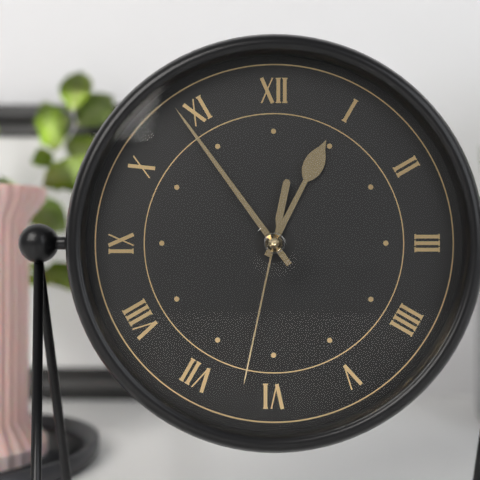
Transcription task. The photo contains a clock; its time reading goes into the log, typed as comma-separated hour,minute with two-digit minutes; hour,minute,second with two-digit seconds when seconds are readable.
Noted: 12,54,32
